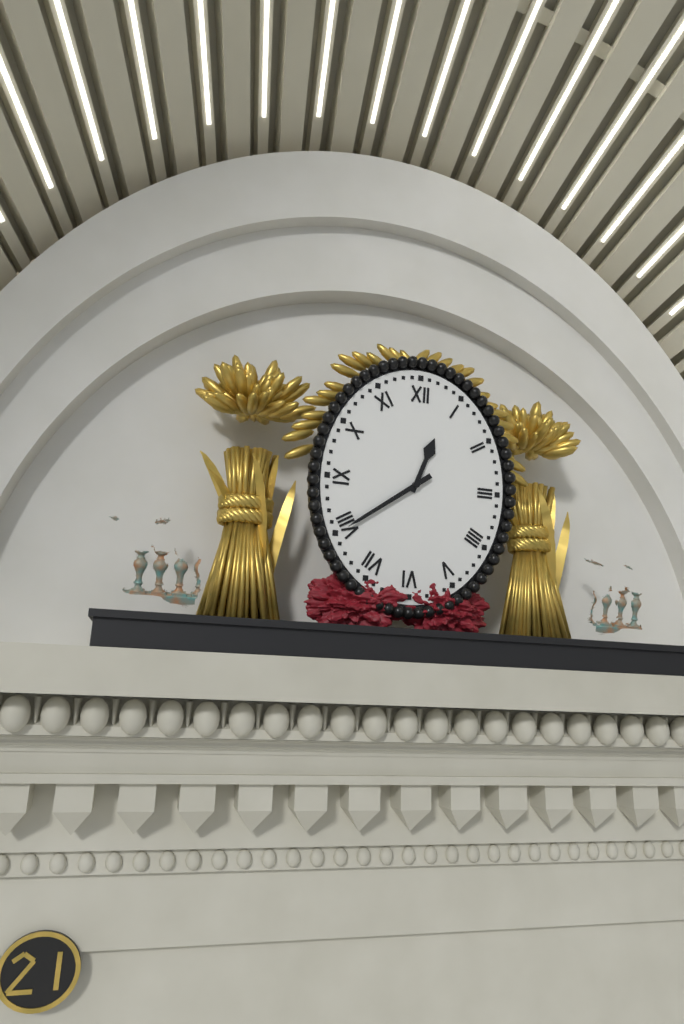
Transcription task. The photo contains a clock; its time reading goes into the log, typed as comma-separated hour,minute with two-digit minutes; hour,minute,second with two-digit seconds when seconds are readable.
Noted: 12,39
